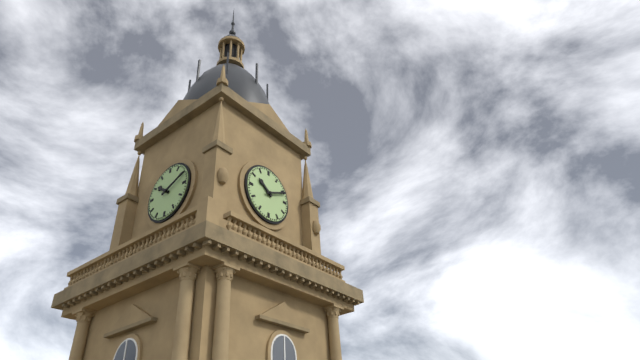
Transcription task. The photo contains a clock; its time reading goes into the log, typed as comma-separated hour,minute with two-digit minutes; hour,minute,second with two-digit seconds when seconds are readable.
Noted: 10,11
